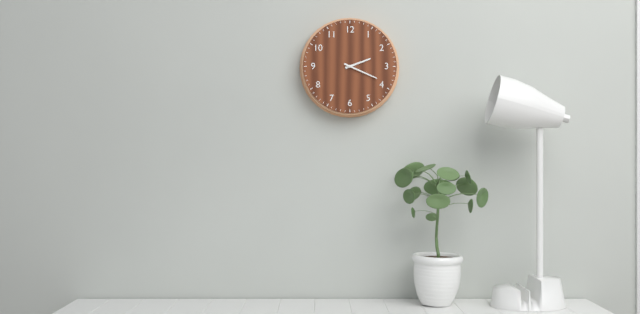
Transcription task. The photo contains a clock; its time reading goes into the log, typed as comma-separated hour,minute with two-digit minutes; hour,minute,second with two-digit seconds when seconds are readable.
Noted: 2,19
